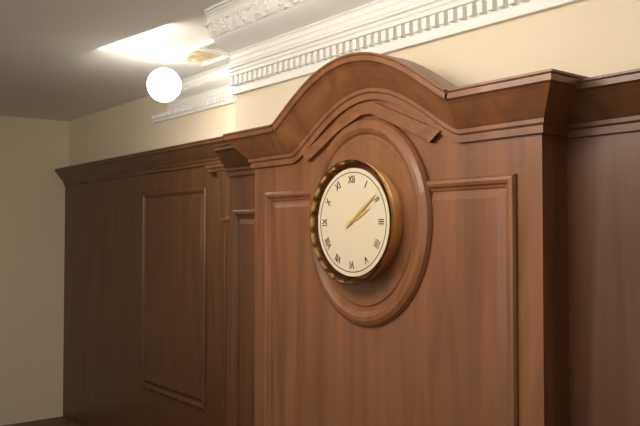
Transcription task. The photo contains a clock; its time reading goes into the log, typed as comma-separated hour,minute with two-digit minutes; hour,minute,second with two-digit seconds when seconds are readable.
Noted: 2,09
